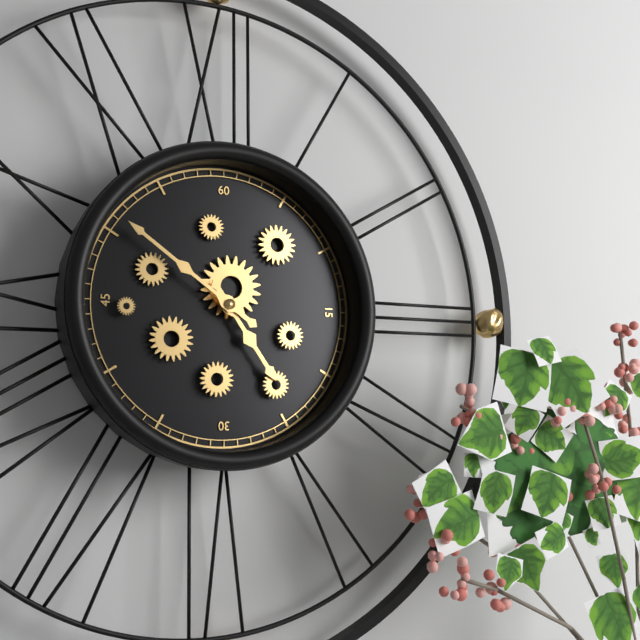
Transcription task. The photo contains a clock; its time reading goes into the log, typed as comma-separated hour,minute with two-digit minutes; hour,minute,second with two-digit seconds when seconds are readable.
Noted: 4,51
